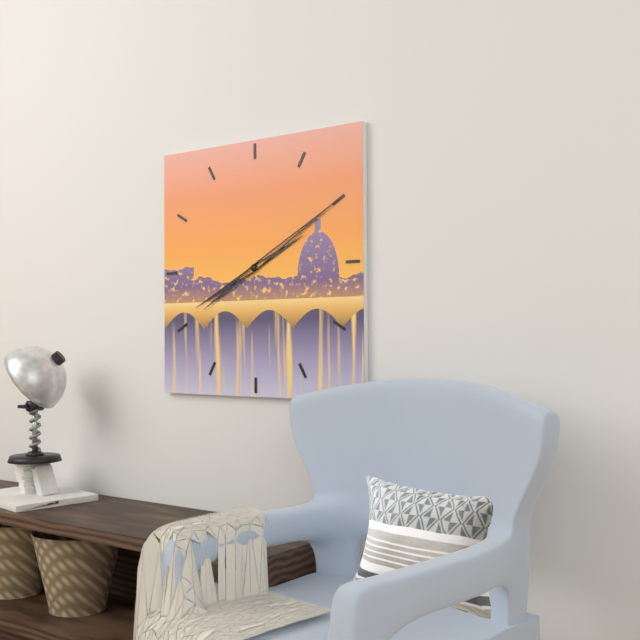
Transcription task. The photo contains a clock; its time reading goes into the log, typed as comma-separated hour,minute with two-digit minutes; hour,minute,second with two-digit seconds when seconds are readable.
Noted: 8,10
